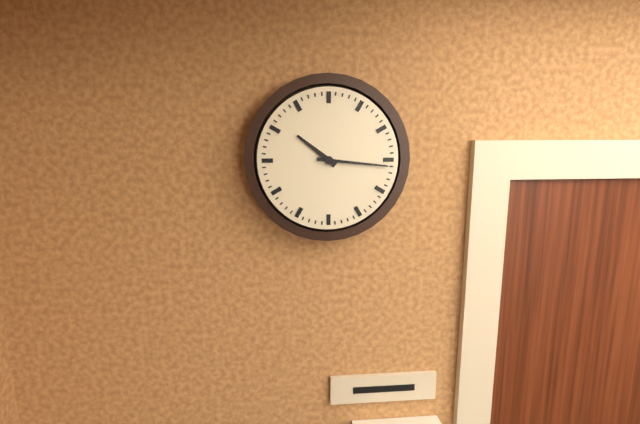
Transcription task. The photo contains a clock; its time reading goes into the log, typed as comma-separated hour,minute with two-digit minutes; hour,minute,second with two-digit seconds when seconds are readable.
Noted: 10,16
